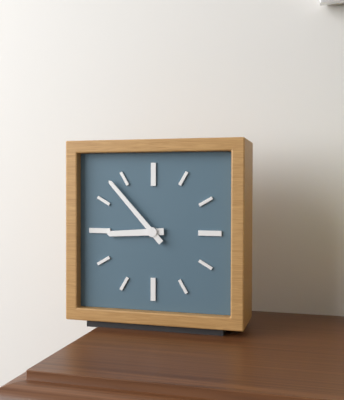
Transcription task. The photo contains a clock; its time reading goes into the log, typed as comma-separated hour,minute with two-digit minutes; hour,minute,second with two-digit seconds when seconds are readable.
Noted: 8,53
